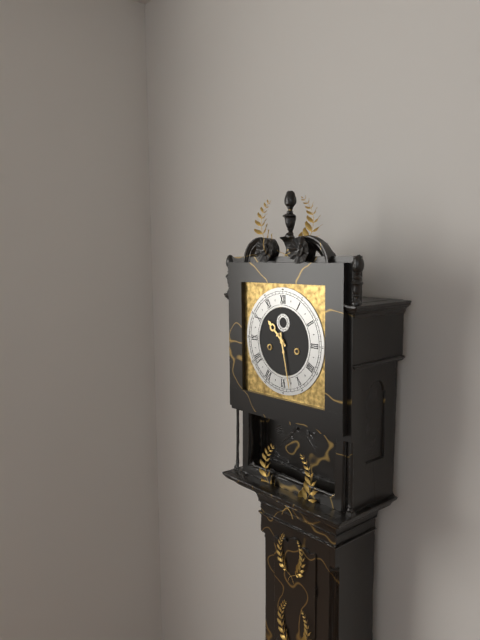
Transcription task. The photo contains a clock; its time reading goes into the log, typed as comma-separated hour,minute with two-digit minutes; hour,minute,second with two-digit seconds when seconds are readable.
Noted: 10,28
